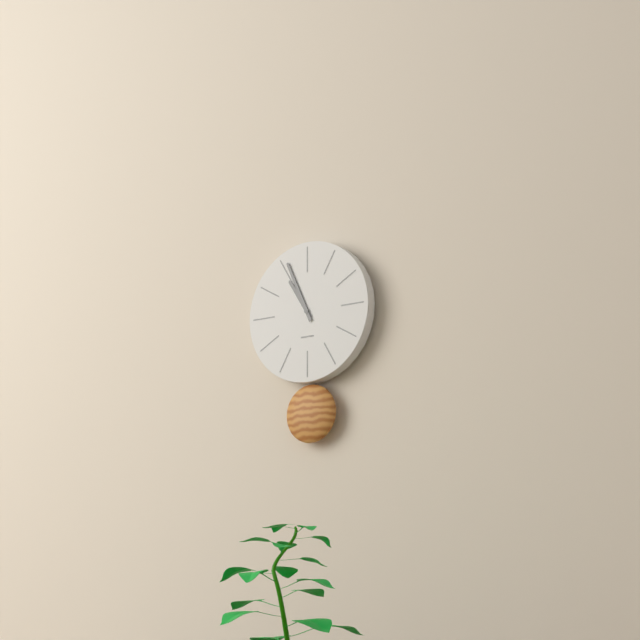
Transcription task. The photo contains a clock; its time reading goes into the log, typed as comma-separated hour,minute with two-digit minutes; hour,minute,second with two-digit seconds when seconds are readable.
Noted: 10,56
